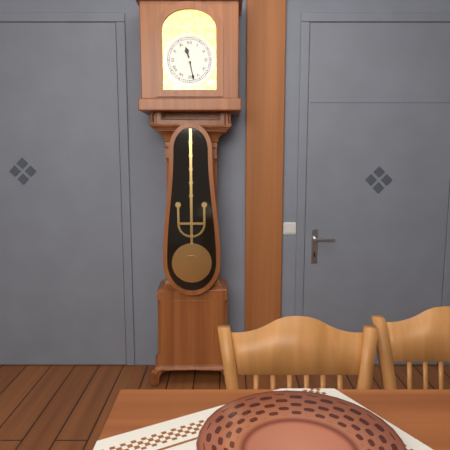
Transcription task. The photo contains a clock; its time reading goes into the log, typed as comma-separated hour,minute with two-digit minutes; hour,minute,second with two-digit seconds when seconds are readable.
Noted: 11,28
